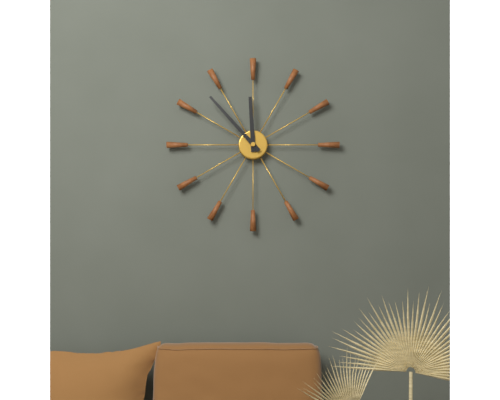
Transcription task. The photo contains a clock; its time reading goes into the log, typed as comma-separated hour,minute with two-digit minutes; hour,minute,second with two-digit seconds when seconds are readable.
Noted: 11,53
